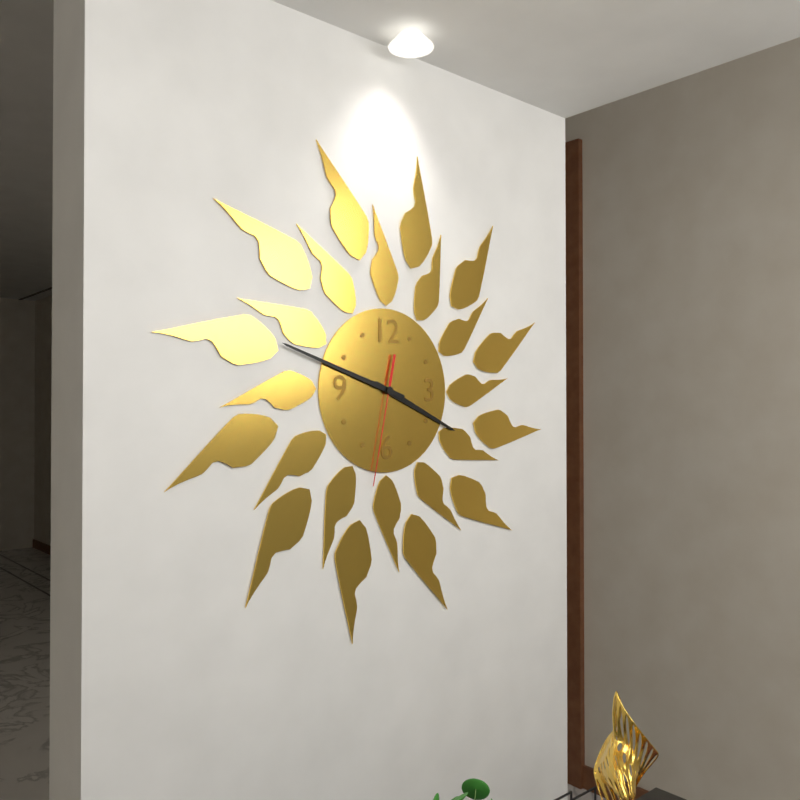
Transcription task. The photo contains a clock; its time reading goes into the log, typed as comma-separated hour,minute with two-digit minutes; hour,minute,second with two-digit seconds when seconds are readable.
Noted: 3,48,32
